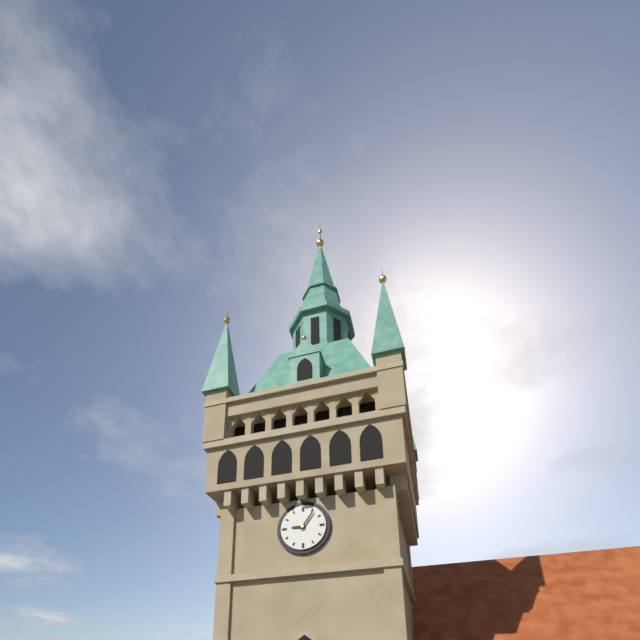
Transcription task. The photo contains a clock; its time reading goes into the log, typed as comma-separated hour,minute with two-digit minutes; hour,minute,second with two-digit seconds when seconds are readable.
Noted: 9,06
